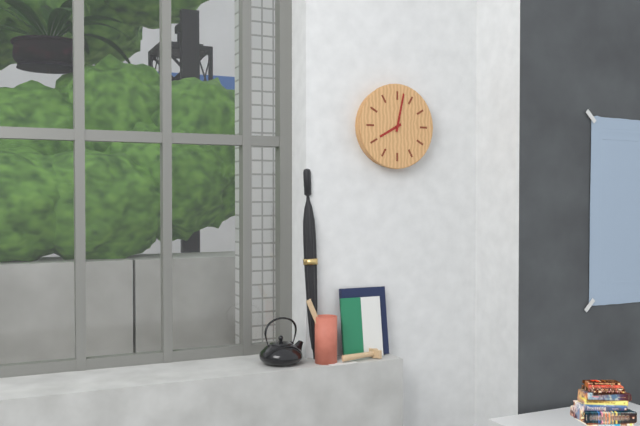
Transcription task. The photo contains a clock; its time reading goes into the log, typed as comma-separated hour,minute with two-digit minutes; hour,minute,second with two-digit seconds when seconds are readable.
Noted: 8,02
